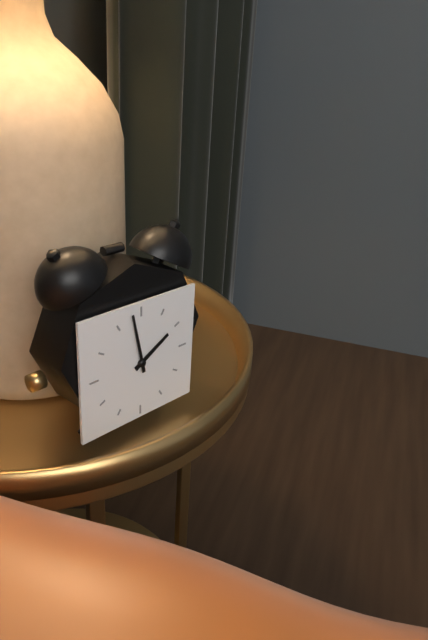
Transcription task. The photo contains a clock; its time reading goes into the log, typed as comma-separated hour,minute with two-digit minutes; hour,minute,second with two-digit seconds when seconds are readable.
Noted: 1,58
